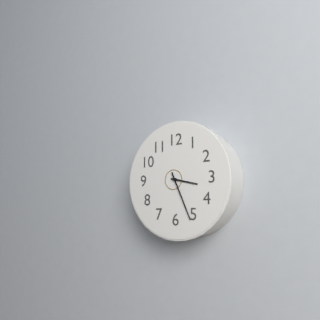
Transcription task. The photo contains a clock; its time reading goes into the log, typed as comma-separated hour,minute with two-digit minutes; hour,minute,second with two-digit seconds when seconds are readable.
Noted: 3,26
